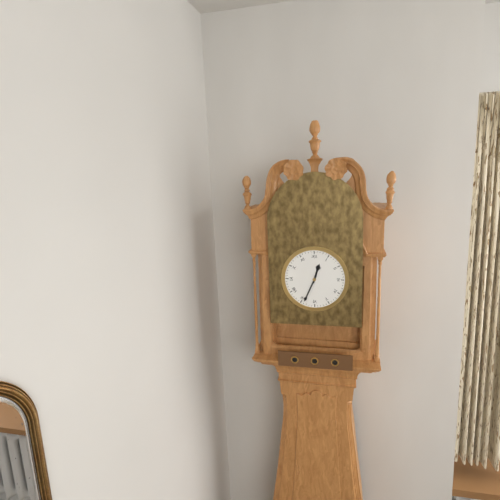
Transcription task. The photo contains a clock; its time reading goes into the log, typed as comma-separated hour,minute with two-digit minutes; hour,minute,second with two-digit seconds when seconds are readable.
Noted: 12,34
